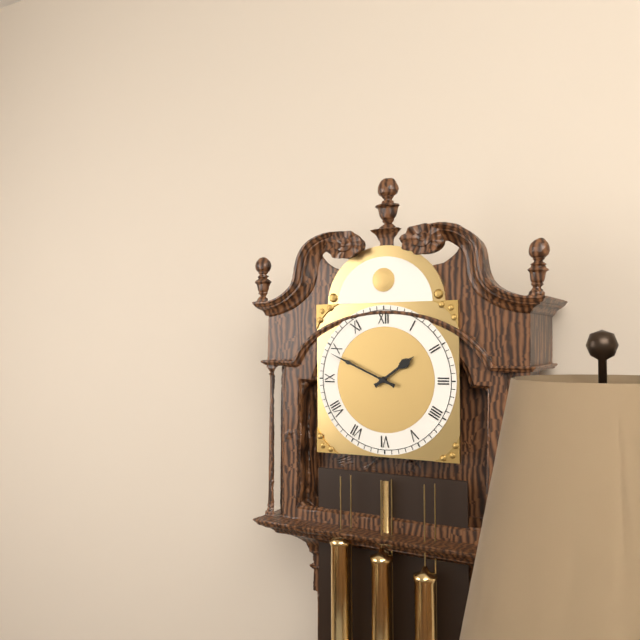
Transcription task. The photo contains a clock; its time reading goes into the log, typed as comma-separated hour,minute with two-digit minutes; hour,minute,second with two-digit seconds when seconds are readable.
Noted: 1,49
